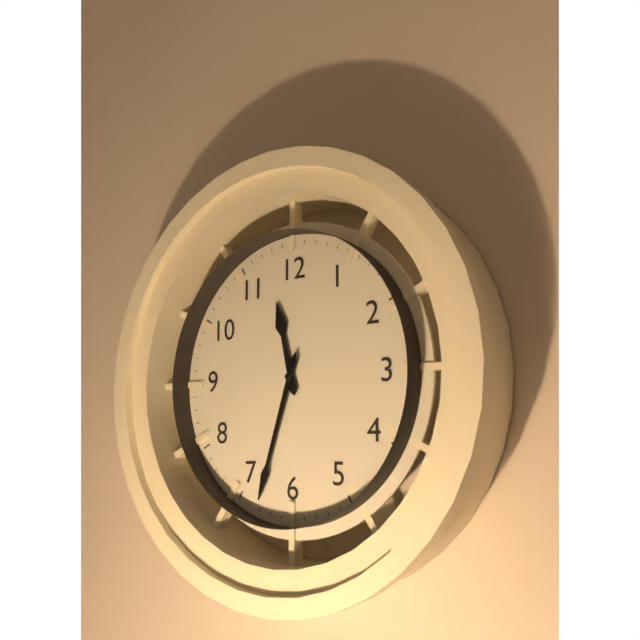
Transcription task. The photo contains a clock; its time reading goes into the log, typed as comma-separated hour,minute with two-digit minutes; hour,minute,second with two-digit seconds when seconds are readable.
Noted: 11,33
